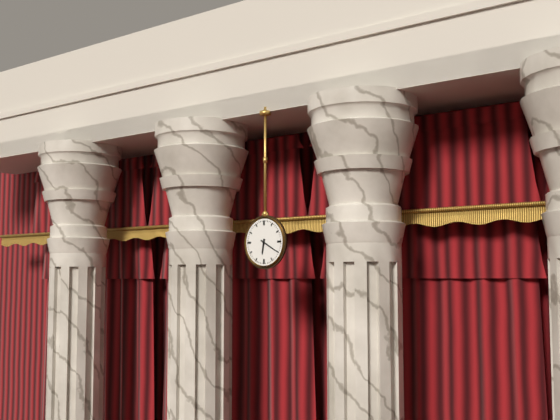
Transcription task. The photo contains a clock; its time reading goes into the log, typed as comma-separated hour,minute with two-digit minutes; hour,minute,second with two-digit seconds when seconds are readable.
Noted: 6,20
